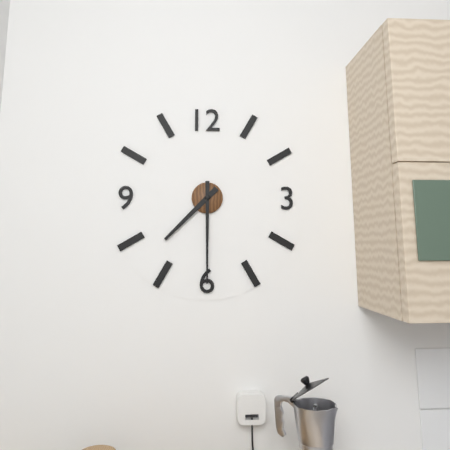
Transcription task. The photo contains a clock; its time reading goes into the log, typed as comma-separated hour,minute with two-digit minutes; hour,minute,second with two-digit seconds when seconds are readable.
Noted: 7,30
